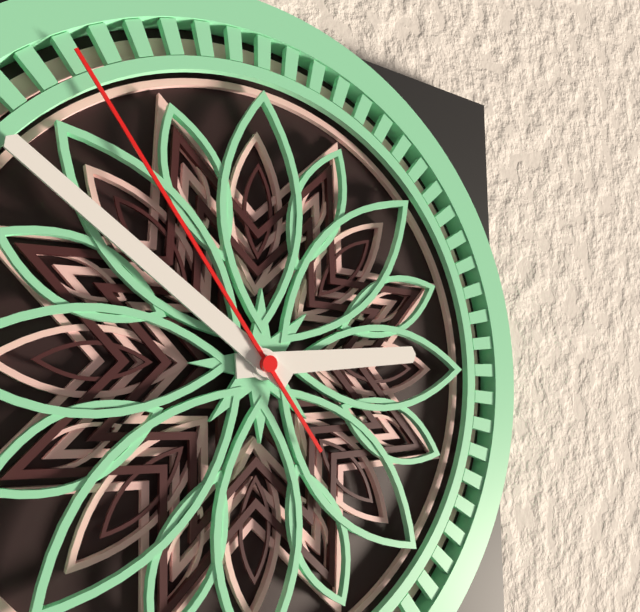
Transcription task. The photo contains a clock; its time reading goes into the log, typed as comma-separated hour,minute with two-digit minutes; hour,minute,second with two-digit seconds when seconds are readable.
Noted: 2,51,54
